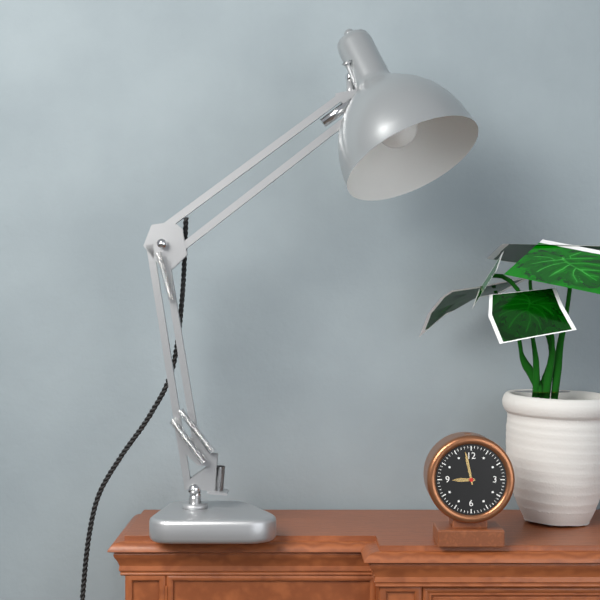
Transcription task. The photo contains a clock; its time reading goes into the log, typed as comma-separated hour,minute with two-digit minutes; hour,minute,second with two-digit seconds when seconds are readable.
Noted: 8,58
